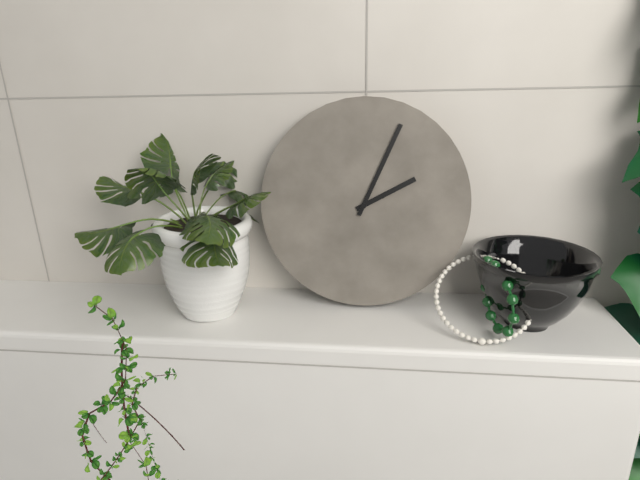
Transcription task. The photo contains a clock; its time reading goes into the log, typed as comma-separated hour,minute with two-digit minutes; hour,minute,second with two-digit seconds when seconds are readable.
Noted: 2,04
